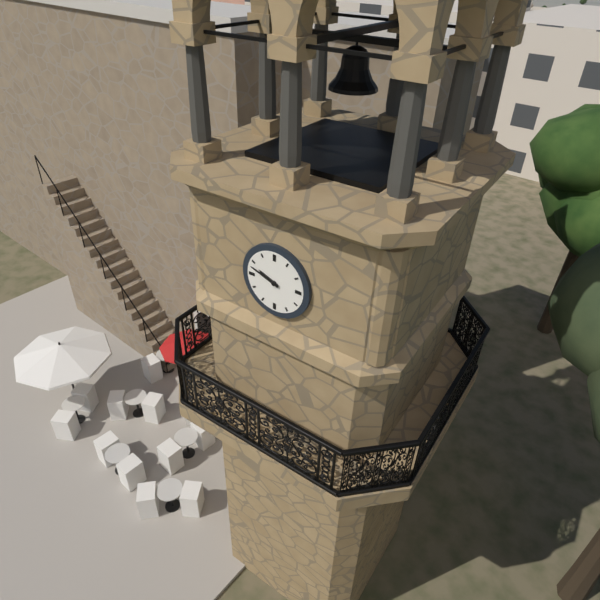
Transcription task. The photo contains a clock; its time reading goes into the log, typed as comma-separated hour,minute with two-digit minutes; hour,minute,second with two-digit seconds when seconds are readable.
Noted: 9,48
